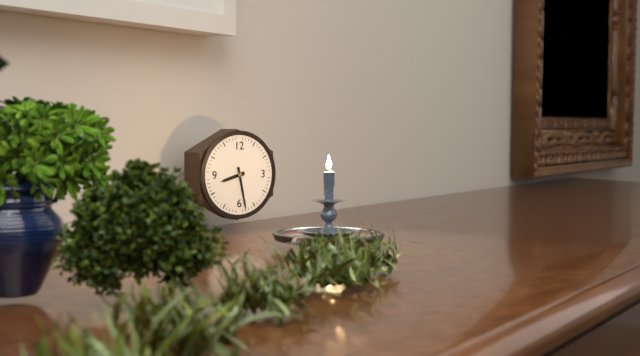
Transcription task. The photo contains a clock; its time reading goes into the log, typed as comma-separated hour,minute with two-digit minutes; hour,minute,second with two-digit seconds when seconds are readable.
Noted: 8,28
